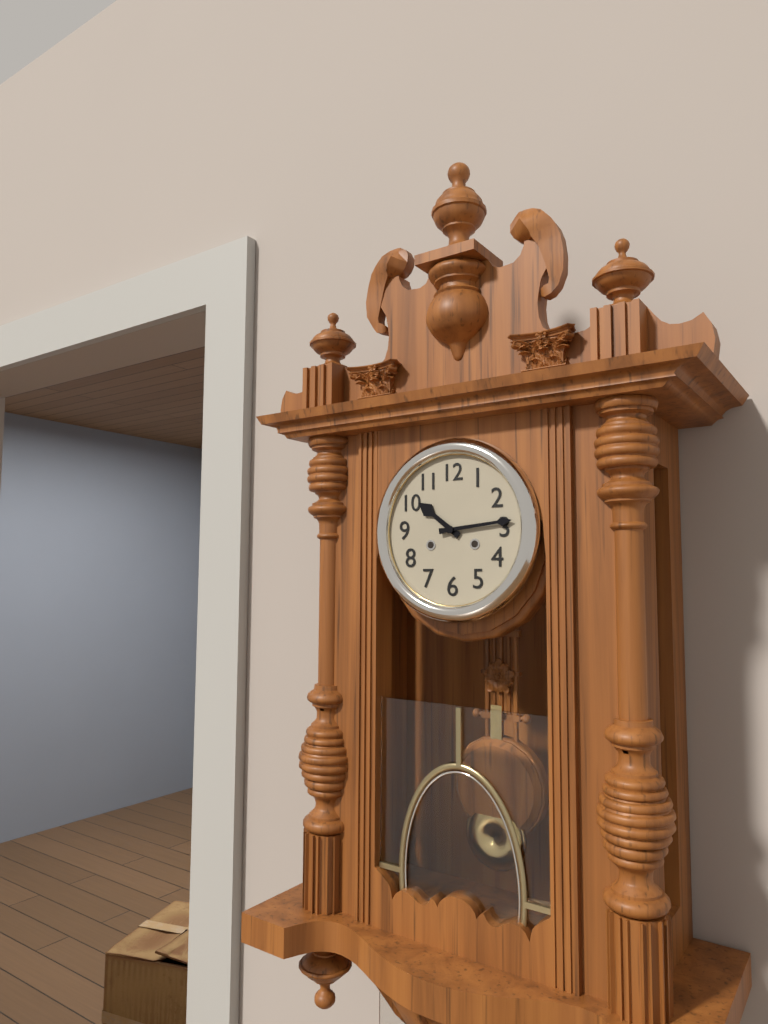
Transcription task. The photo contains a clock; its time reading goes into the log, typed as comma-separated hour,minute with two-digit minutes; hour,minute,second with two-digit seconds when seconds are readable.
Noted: 10,14
